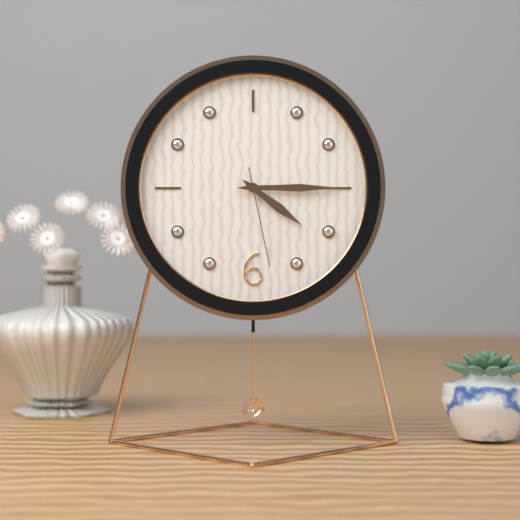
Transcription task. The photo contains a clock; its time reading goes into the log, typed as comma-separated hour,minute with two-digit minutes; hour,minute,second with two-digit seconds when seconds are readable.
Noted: 4,15,28
